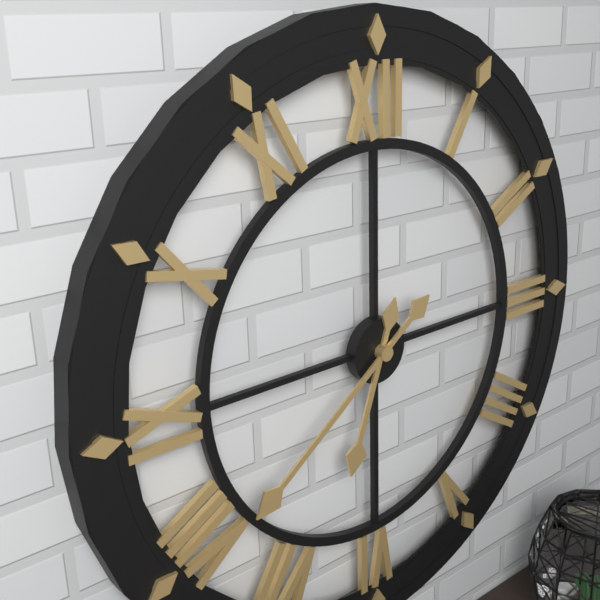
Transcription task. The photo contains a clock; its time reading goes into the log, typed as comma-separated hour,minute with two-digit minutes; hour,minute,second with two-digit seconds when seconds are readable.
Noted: 6,39
